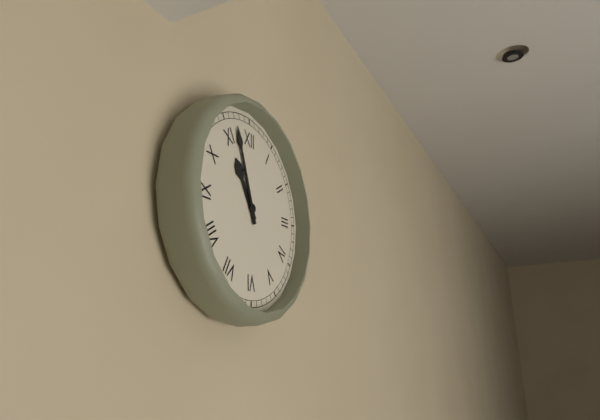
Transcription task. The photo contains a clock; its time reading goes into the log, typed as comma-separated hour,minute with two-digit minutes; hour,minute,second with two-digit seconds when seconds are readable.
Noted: 10,57
